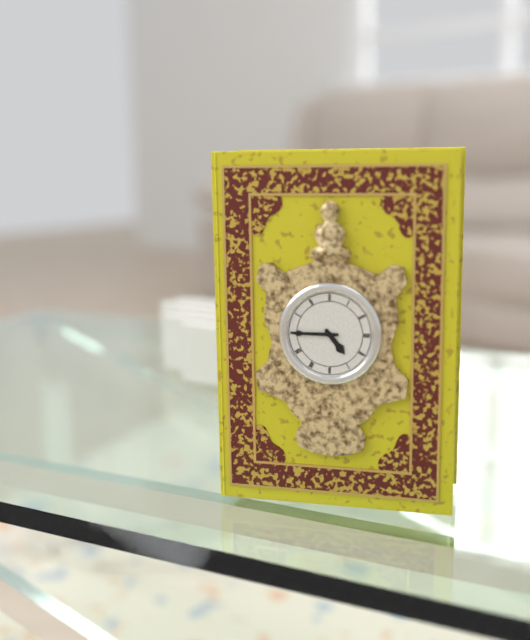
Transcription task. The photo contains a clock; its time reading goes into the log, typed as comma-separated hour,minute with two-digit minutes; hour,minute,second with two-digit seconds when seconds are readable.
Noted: 4,45
